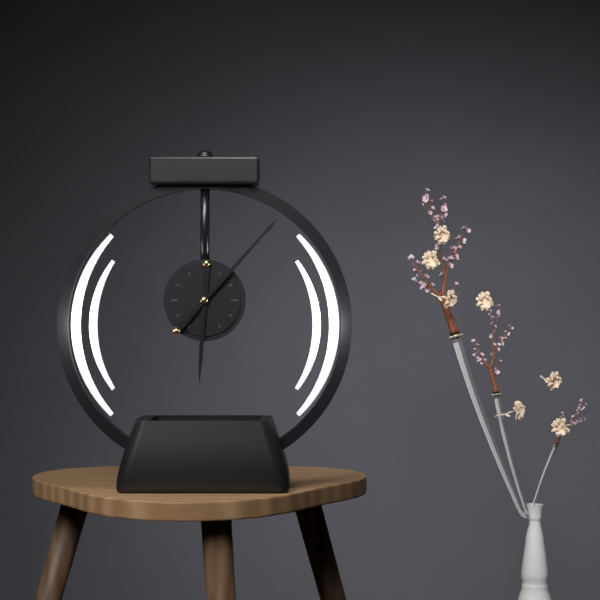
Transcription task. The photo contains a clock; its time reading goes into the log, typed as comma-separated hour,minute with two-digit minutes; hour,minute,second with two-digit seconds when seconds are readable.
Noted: 6,07
